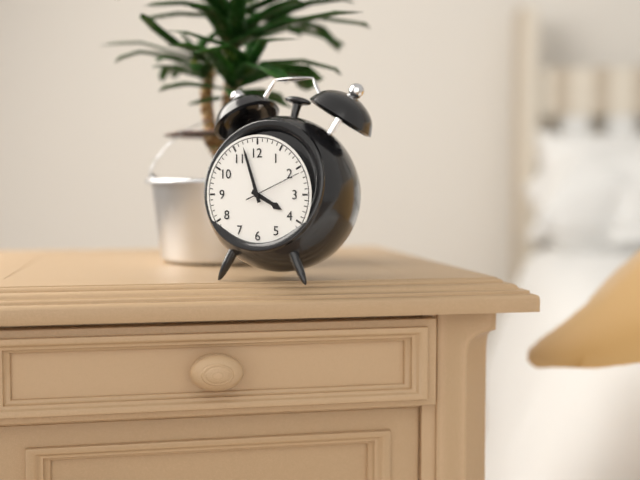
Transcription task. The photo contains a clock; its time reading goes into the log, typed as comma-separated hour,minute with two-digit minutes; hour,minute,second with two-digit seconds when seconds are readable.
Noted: 3,57,11
